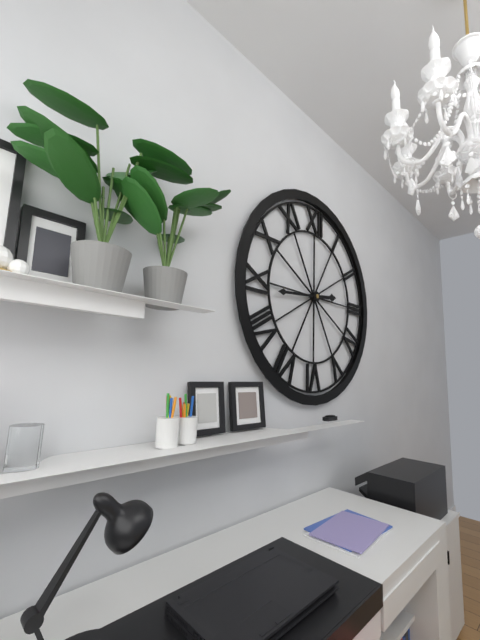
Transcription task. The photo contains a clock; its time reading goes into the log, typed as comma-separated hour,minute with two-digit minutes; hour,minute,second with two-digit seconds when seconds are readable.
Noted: 2,44
